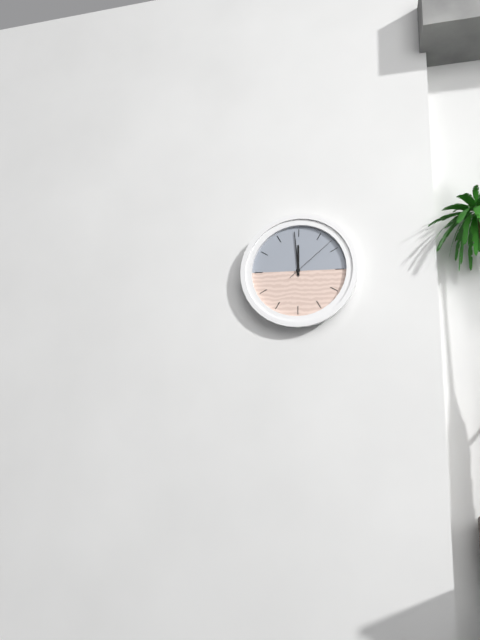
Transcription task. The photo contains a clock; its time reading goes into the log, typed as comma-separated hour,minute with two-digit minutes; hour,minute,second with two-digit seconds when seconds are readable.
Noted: 11,59,08
